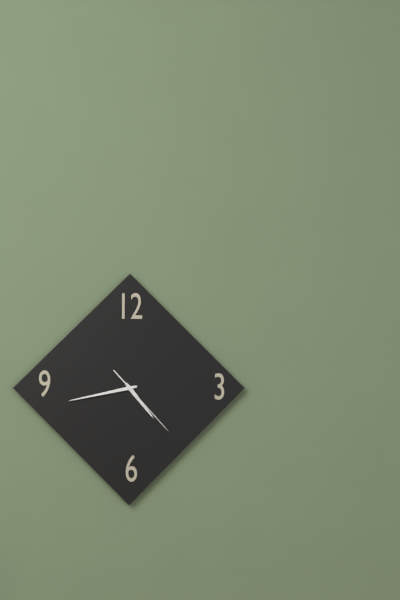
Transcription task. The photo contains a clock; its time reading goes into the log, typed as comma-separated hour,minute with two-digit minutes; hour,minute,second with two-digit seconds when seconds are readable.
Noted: 4,43,23
